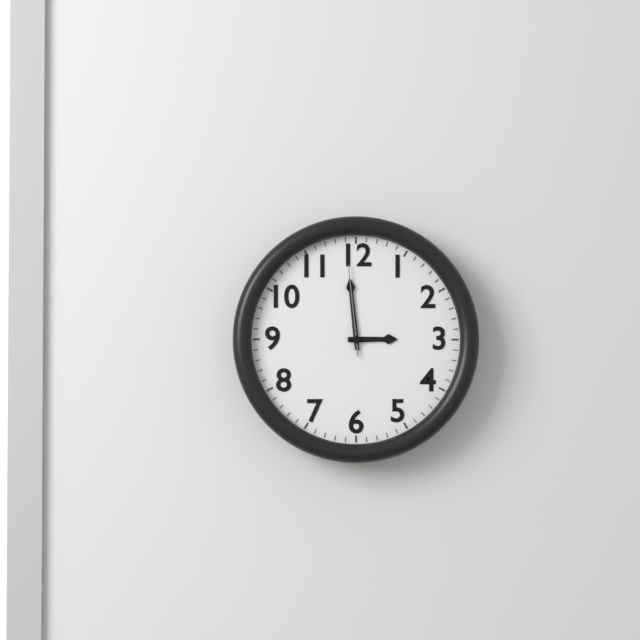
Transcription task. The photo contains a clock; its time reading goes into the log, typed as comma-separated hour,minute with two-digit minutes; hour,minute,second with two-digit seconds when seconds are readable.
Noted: 2,59,59
